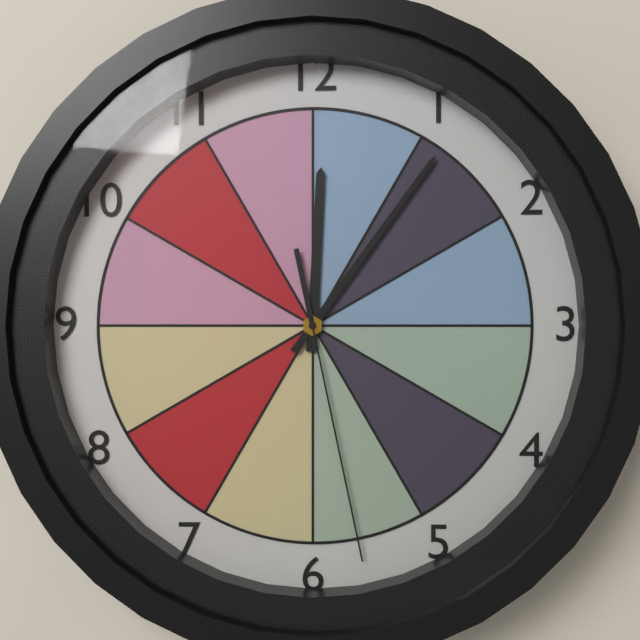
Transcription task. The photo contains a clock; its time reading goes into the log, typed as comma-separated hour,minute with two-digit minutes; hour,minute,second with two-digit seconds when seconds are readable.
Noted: 12,06,28
